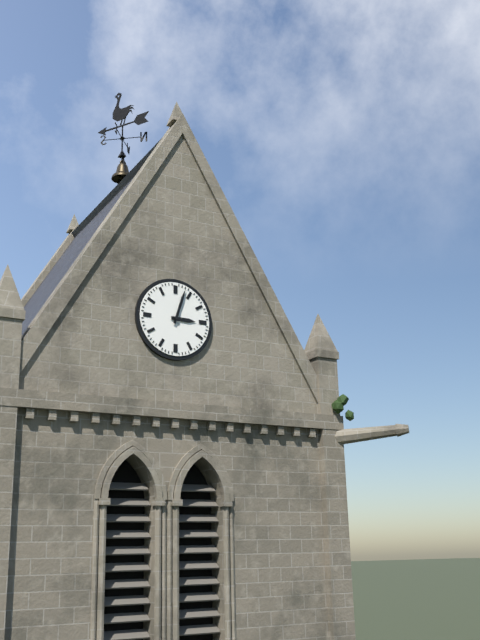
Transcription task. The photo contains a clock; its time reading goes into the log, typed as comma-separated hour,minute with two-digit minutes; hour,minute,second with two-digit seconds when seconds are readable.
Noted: 3,03
